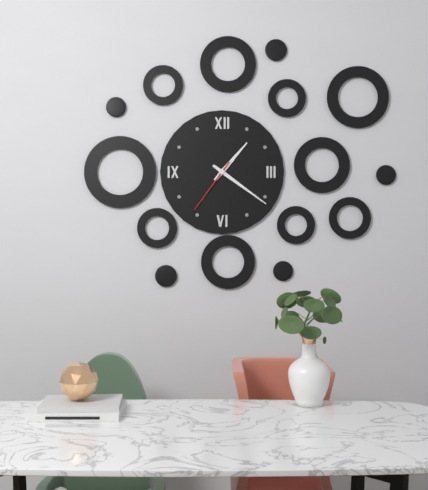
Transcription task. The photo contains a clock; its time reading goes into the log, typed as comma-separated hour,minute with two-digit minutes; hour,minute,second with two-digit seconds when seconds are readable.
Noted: 1,21,36
